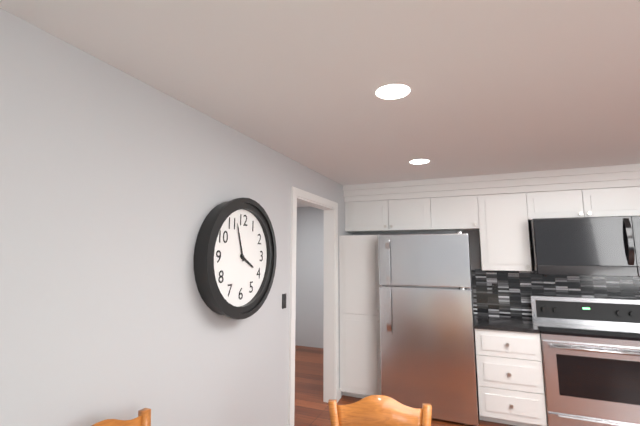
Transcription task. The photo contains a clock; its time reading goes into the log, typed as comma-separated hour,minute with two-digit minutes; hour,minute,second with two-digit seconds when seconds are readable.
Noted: 3,57
